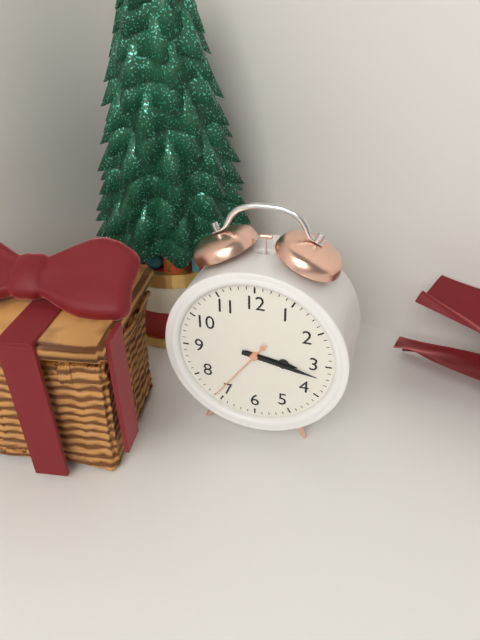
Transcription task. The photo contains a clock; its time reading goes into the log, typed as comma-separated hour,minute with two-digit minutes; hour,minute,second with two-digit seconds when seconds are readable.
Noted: 3,17,36
